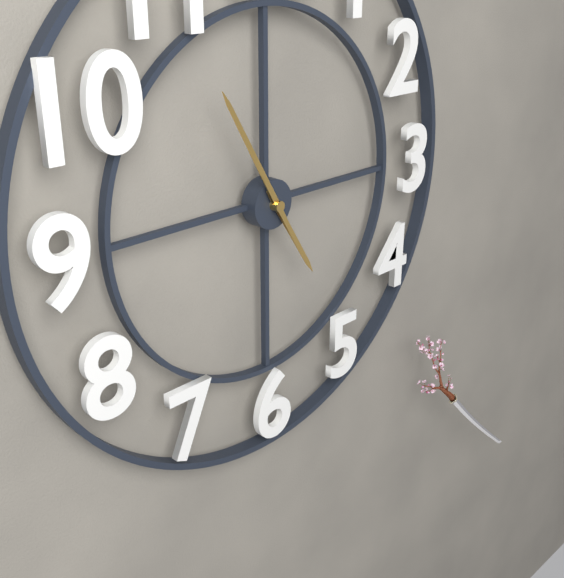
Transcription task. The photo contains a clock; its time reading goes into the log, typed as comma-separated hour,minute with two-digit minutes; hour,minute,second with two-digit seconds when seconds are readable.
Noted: 4,55
